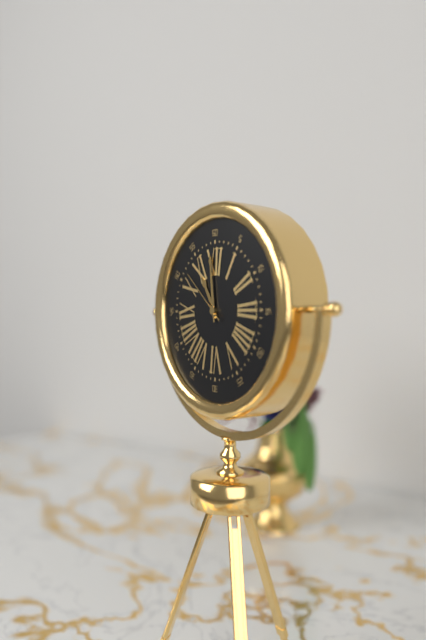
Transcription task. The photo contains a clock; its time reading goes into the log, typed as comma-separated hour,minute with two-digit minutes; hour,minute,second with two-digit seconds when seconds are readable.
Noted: 10,59,52
